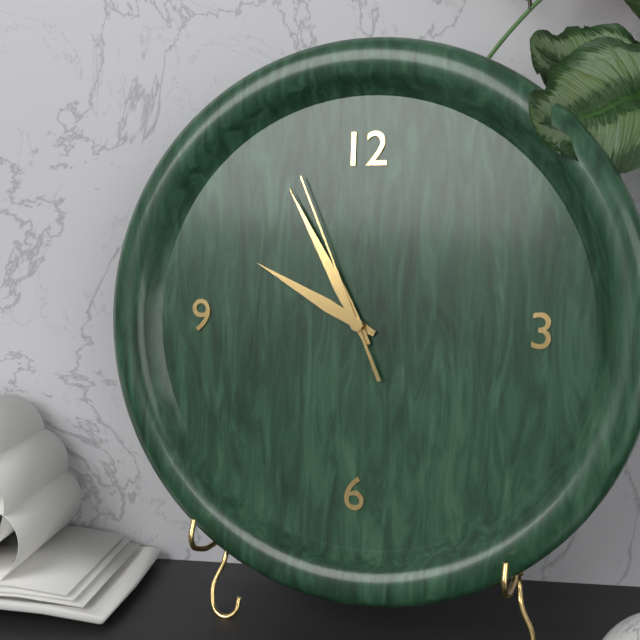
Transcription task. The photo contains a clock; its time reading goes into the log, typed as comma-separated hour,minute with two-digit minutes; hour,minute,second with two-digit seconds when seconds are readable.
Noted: 9,55,56
